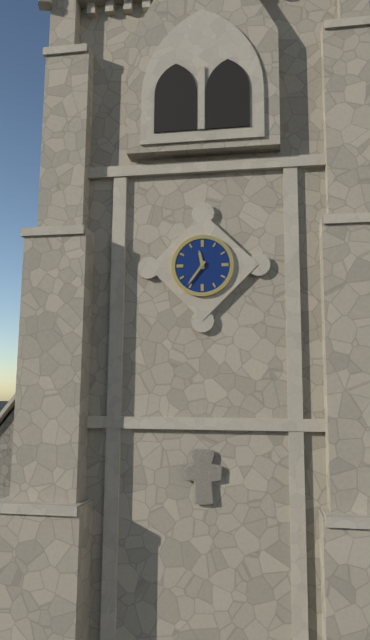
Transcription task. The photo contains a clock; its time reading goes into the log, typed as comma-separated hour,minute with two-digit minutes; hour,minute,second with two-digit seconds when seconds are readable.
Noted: 11,36
